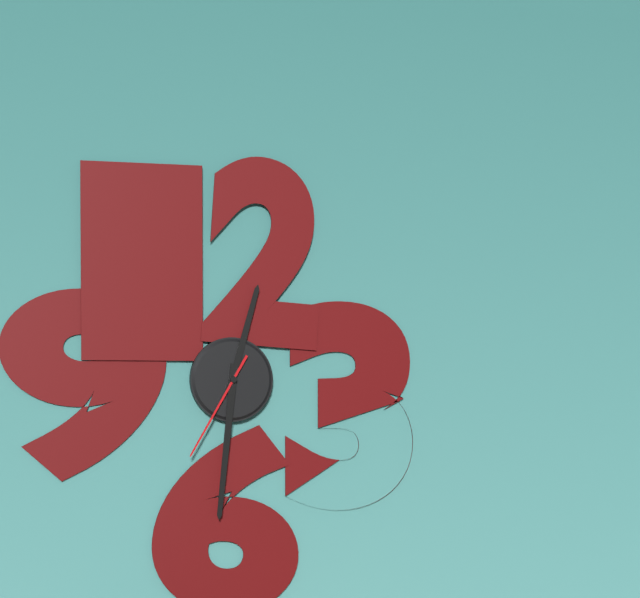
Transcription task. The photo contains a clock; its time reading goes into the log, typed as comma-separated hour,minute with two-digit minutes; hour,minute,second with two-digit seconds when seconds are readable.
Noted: 12,31,35
